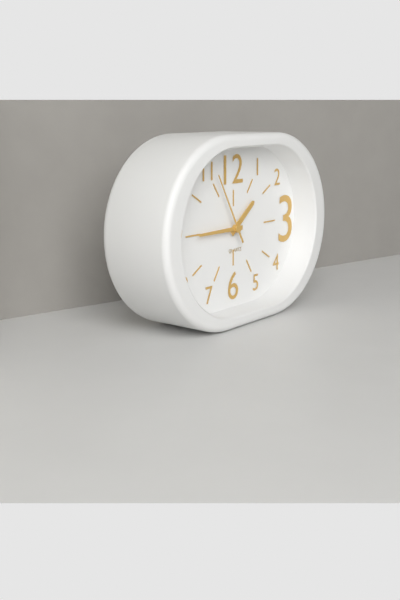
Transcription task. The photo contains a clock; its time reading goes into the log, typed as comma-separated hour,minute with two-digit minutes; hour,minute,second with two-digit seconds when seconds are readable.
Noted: 1,45,55
